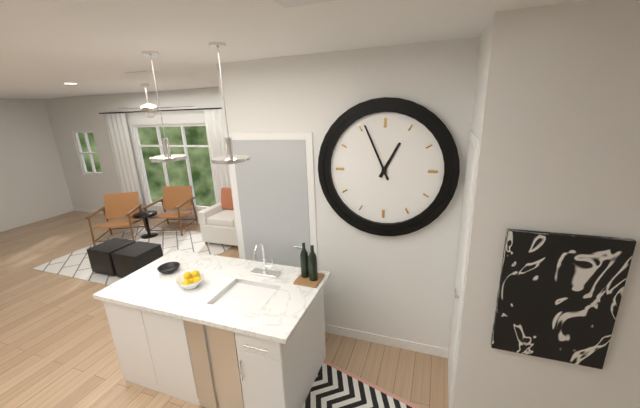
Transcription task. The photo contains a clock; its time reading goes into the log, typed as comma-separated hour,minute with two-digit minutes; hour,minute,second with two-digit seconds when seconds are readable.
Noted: 12,56
